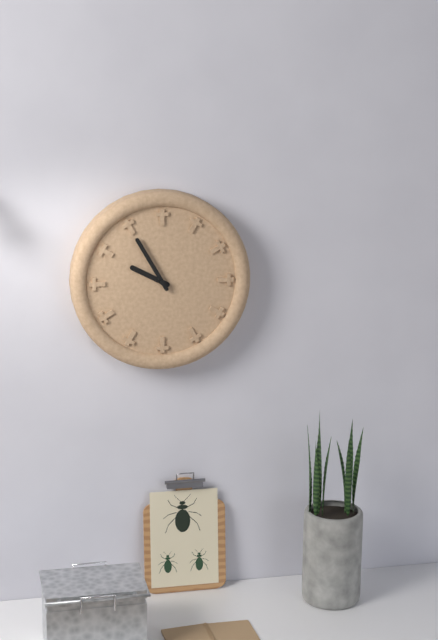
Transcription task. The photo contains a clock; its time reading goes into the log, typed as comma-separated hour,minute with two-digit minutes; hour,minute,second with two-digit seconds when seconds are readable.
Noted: 9,55
